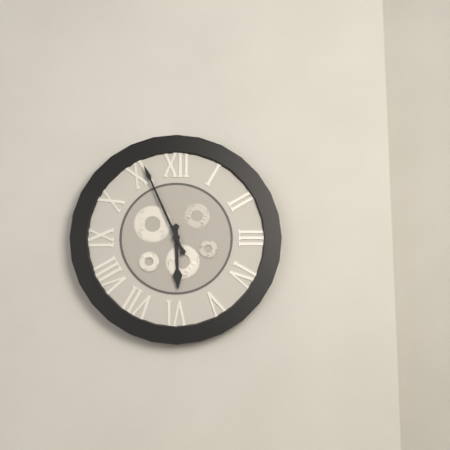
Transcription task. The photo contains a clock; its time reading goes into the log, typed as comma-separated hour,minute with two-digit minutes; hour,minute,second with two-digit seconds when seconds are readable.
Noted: 5,56
